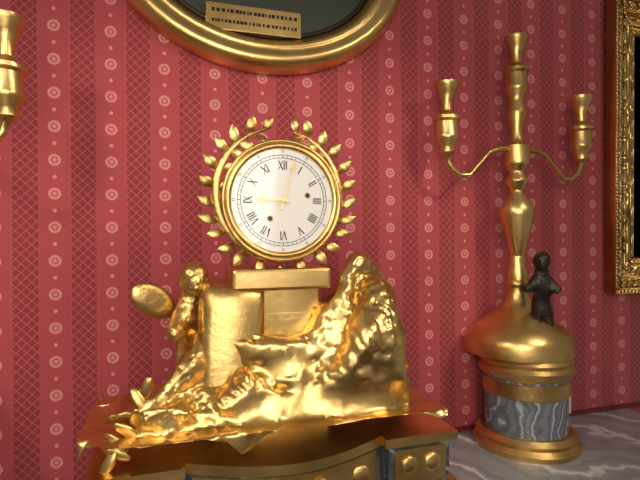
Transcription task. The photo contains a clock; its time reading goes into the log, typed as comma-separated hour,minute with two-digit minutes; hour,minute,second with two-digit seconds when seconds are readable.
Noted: 9,03
